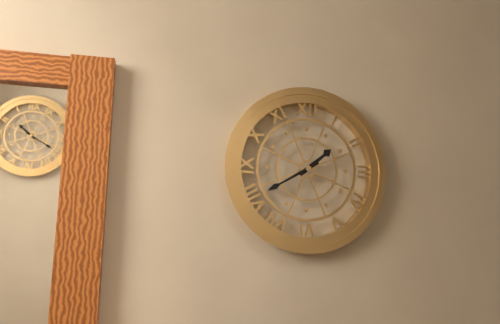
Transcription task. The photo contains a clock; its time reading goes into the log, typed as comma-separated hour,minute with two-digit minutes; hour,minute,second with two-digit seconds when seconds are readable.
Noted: 1,40
